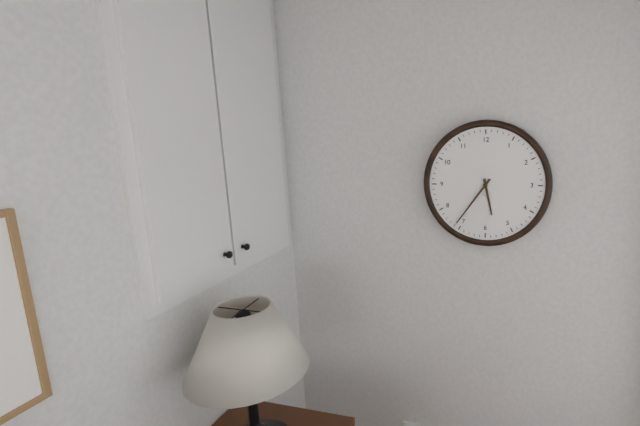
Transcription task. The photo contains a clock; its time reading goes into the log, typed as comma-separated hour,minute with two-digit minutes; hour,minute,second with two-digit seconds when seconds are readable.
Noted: 5,36
